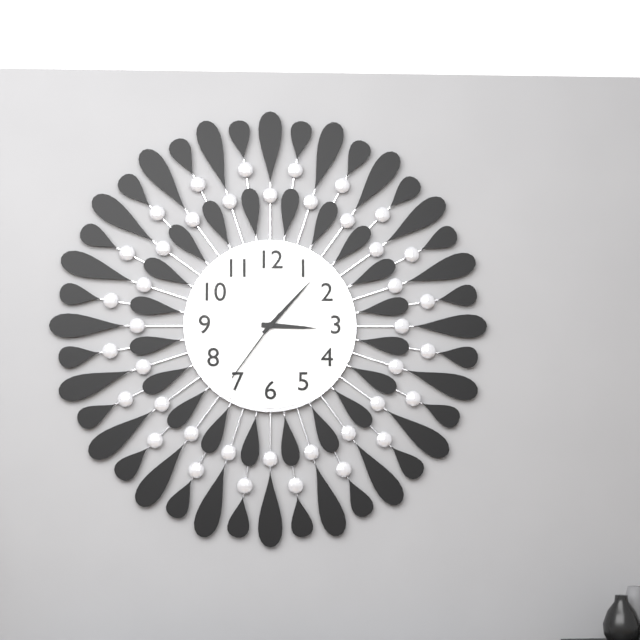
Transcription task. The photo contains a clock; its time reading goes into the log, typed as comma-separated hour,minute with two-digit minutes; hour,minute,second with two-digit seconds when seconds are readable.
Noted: 3,07,36
